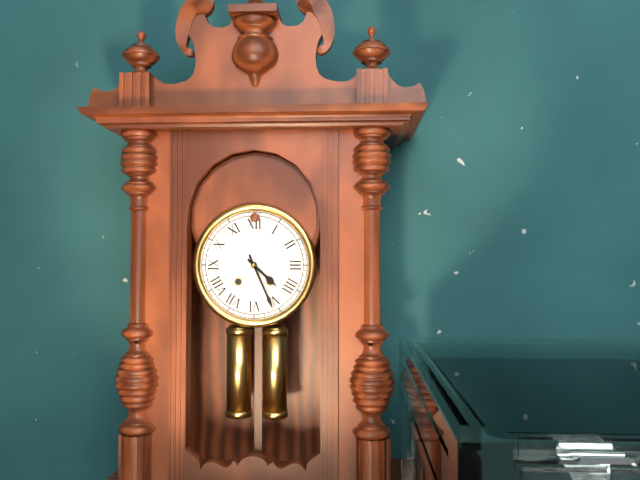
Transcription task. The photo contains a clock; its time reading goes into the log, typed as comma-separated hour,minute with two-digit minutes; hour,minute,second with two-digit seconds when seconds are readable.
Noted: 4,26
